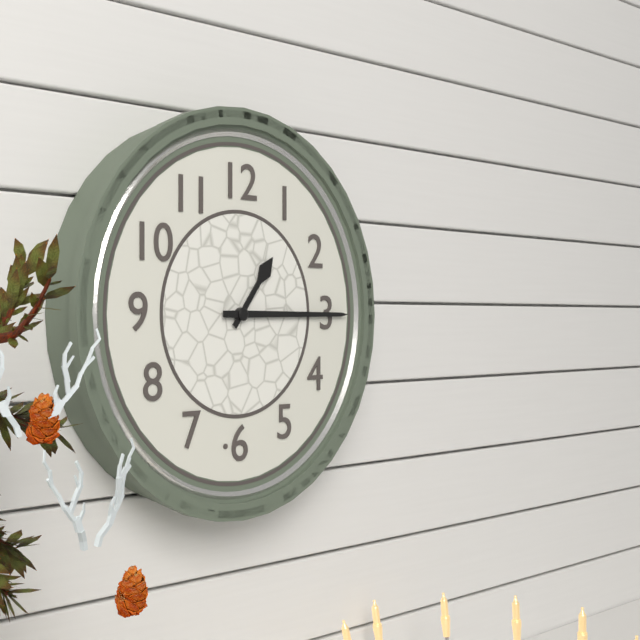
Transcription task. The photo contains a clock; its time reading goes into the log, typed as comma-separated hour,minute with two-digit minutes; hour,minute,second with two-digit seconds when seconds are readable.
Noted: 1,15
